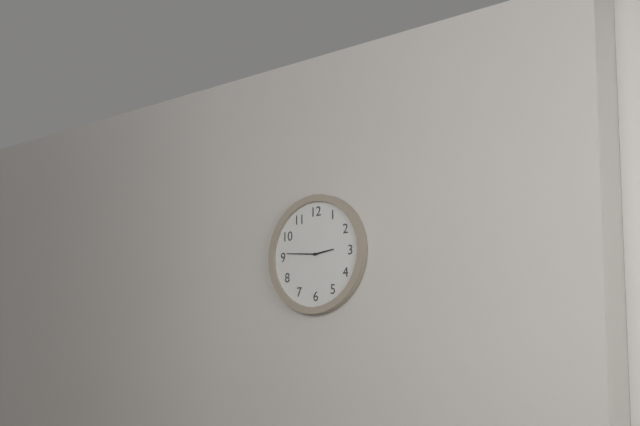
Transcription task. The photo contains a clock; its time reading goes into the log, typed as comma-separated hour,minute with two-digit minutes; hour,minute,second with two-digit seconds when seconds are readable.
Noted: 2,46
